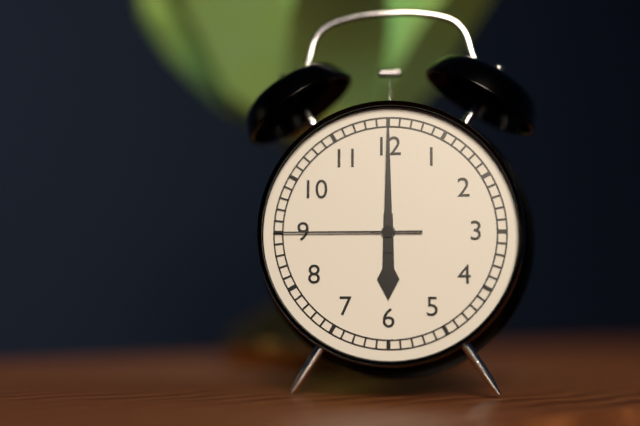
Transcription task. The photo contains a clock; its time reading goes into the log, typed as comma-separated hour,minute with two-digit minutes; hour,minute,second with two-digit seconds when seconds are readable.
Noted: 6,00,45
